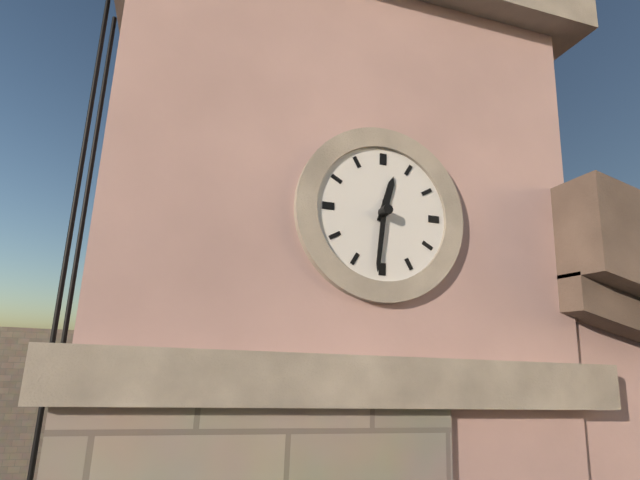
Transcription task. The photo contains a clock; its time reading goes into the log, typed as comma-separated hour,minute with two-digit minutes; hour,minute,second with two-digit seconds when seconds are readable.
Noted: 12,31
